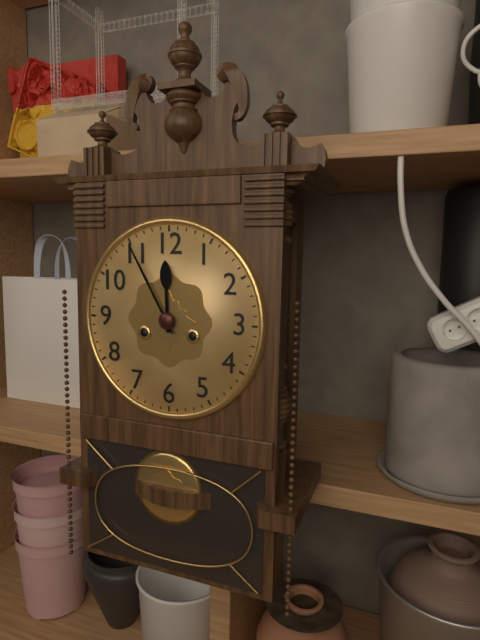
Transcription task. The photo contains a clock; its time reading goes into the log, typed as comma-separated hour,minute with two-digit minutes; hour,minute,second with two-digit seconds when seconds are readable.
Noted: 11,55
